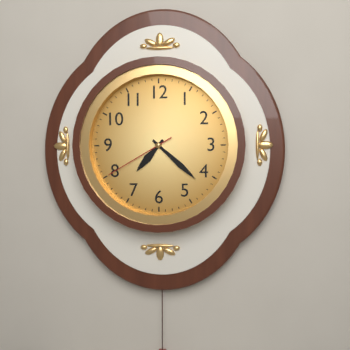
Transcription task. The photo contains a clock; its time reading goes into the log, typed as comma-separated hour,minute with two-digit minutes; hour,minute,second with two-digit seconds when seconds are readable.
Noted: 7,22,40
